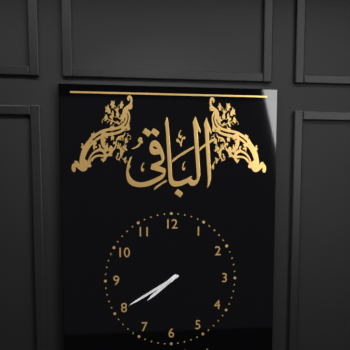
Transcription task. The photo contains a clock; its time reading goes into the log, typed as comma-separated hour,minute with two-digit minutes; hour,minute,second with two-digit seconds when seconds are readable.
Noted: 7,40
